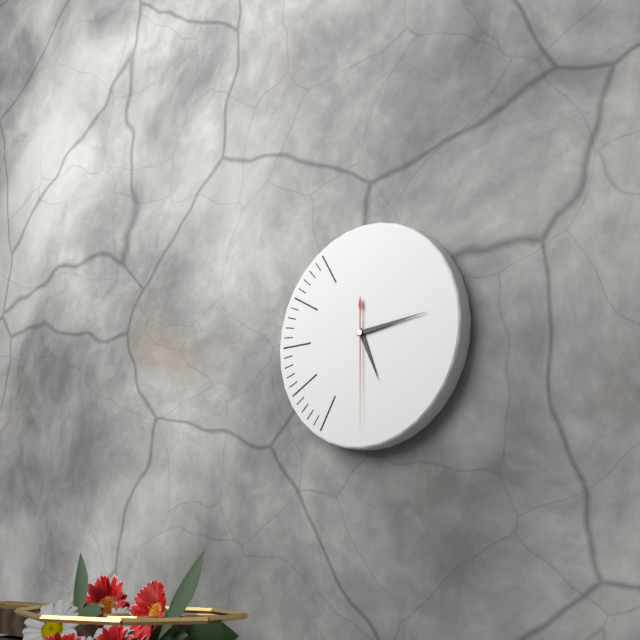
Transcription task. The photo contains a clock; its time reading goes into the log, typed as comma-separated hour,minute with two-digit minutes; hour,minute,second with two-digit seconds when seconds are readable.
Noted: 5,14,30
